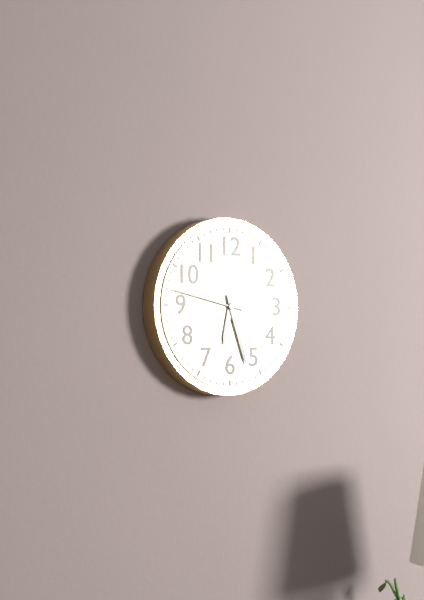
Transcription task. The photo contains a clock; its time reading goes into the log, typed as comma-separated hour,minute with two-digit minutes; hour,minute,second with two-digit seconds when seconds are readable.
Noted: 6,27,47
